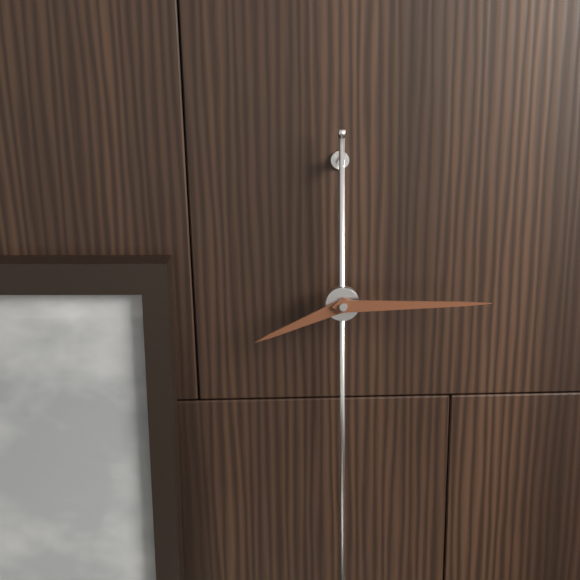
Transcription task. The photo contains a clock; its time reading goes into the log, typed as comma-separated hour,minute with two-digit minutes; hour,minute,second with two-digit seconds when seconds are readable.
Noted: 8,15
